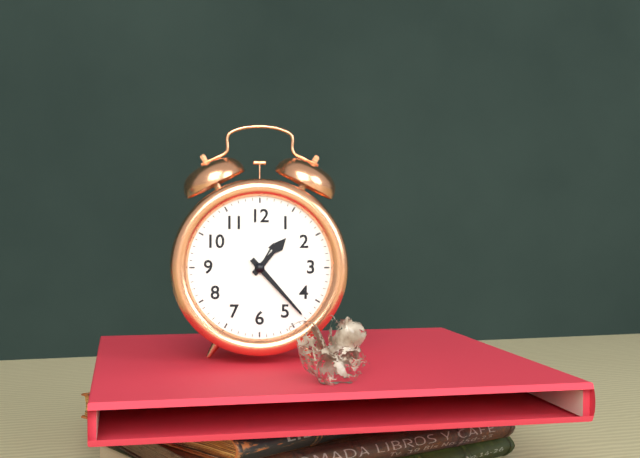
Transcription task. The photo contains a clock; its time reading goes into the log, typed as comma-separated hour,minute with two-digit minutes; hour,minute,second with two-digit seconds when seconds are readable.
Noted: 1,23
